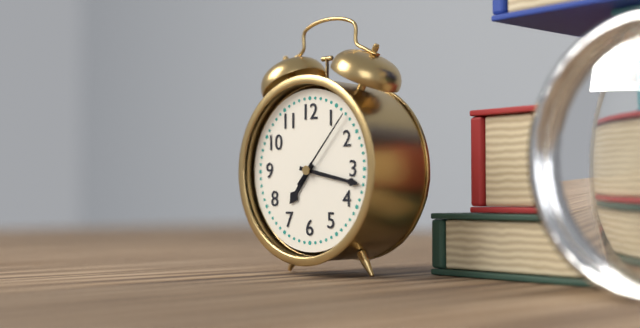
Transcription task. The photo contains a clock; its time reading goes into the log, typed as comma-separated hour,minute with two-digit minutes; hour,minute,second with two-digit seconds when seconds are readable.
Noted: 7,17,07
